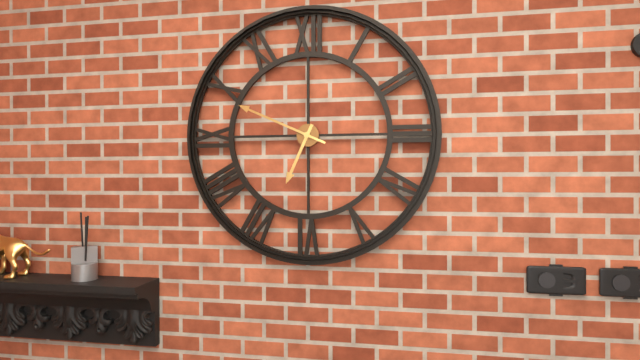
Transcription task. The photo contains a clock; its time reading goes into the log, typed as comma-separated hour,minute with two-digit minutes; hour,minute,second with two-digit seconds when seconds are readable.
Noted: 6,49
